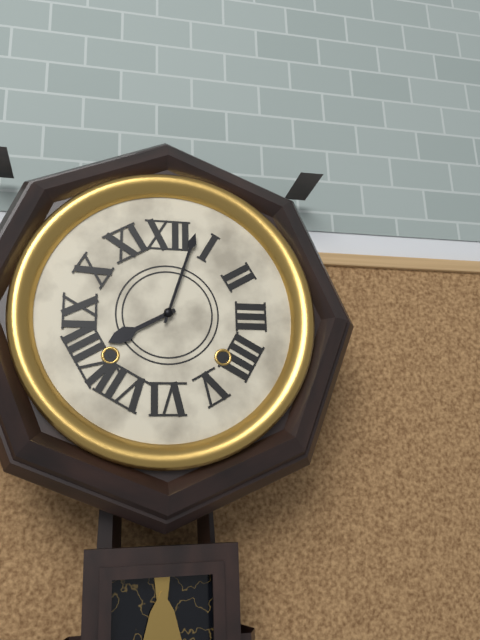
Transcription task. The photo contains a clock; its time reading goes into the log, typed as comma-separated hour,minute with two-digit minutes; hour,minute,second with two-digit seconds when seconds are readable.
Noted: 8,03
